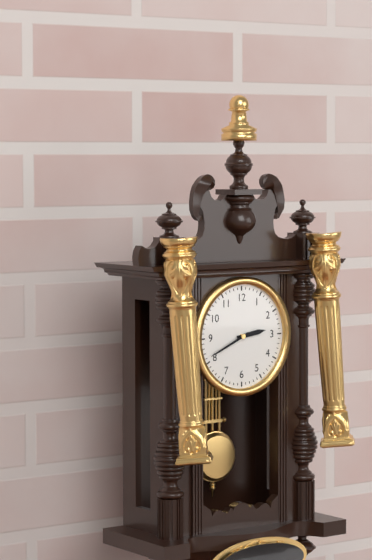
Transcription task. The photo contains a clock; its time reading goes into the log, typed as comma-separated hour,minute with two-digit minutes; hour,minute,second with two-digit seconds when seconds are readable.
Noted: 2,41
